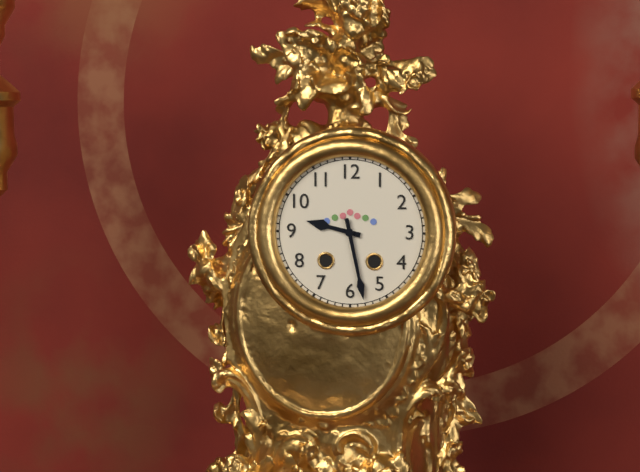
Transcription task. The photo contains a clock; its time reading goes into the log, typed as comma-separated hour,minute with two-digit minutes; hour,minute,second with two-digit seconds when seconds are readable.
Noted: 9,28
